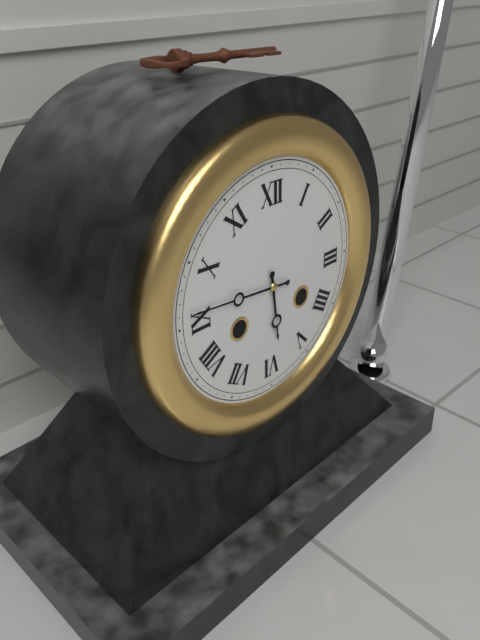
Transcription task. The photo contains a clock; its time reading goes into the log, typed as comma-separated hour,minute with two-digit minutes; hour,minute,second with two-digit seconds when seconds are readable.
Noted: 5,46
